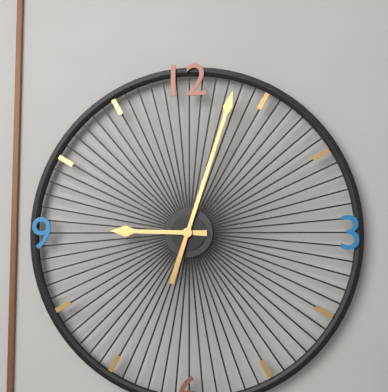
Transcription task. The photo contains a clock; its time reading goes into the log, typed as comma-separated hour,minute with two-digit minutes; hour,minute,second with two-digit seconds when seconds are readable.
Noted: 9,03
